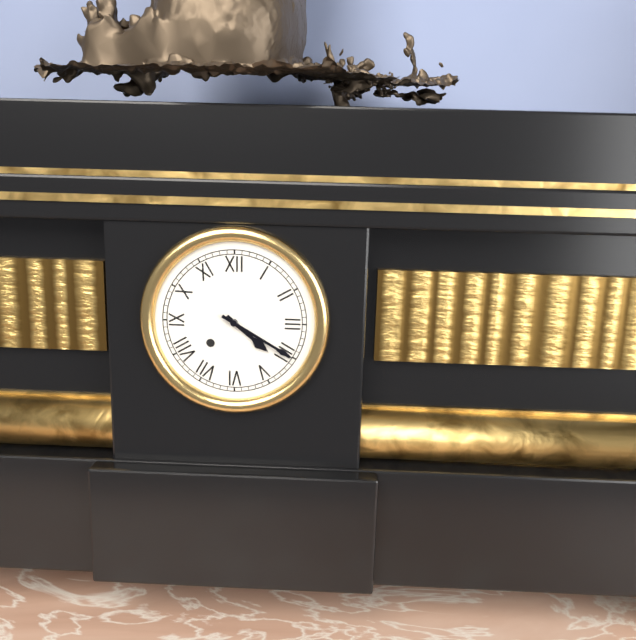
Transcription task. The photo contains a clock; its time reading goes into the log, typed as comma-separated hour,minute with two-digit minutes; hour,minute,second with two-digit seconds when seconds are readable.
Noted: 4,20
